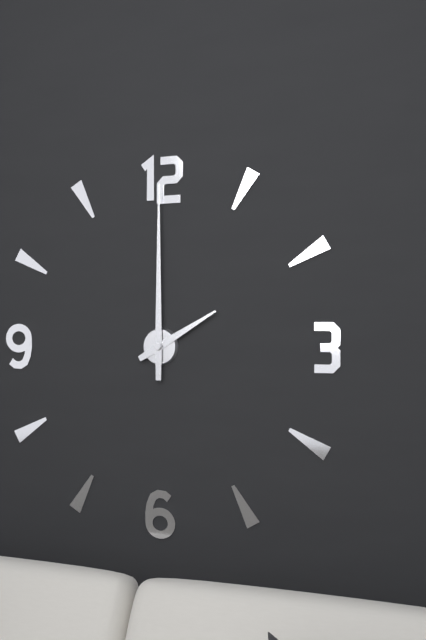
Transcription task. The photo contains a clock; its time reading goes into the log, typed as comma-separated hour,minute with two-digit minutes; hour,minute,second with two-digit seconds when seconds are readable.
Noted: 2,00
